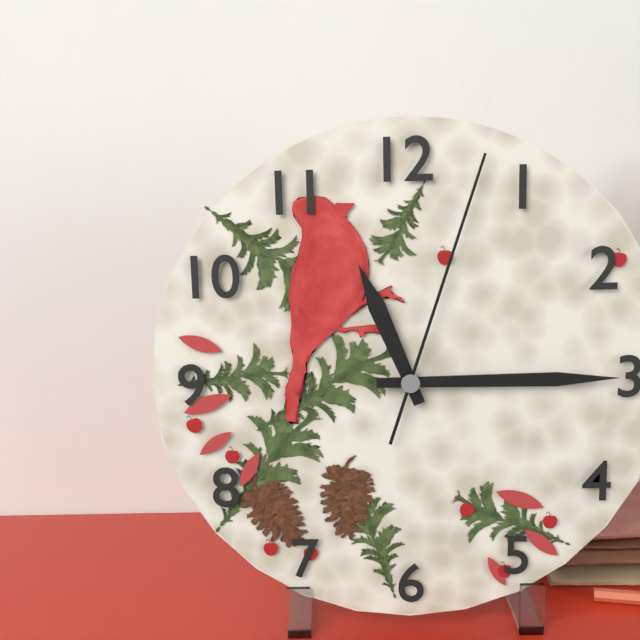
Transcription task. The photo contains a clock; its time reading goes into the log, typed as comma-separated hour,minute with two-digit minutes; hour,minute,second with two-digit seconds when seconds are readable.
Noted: 11,15,03
